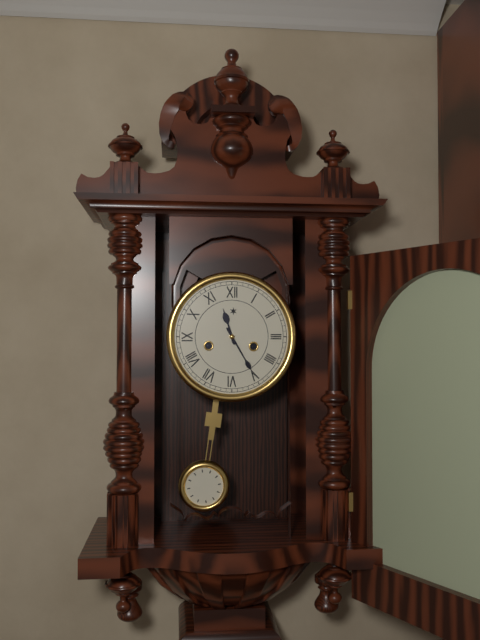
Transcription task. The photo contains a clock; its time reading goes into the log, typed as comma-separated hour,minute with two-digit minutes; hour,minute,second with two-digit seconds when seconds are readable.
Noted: 11,25
